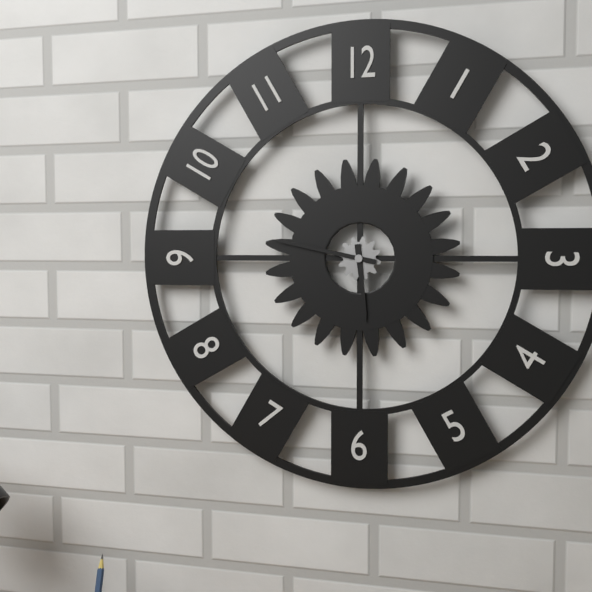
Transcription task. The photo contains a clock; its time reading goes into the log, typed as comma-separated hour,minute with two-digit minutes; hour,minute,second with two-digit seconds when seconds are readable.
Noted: 5,47
